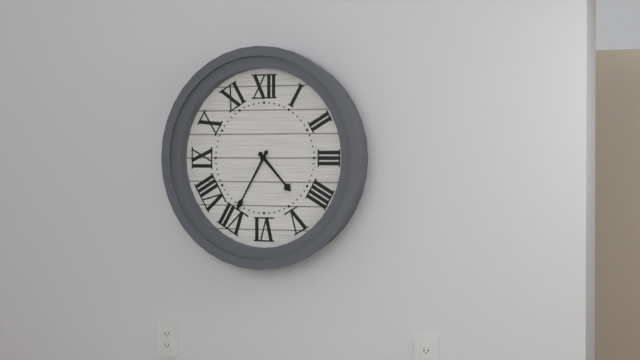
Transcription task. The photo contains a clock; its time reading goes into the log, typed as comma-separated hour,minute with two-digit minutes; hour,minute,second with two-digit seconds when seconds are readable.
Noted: 4,35
